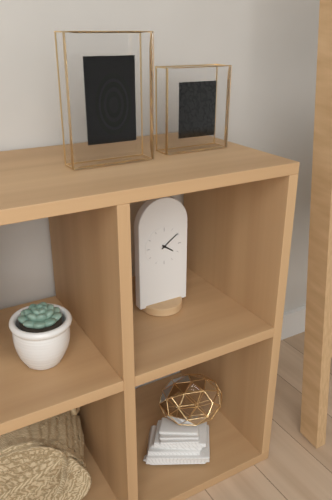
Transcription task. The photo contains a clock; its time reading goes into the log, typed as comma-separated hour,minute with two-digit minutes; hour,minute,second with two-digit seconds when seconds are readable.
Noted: 4,09
